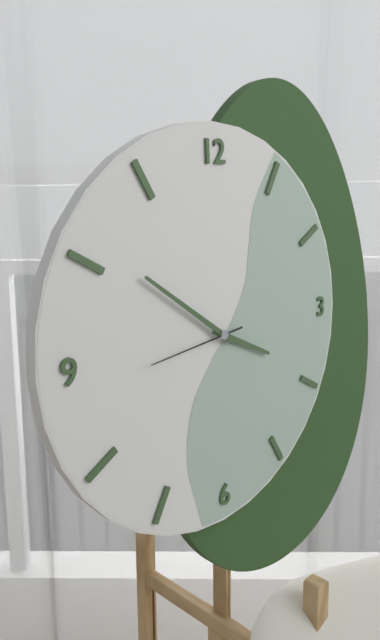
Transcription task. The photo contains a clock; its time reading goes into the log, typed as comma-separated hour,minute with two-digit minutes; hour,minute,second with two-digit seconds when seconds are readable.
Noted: 3,51,44
